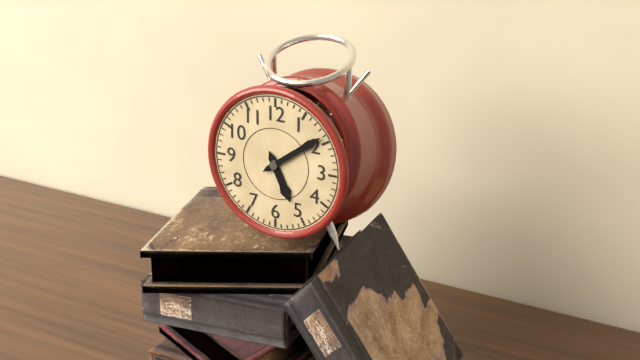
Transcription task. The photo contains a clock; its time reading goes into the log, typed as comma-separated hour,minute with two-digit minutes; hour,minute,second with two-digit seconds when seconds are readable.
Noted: 5,09
